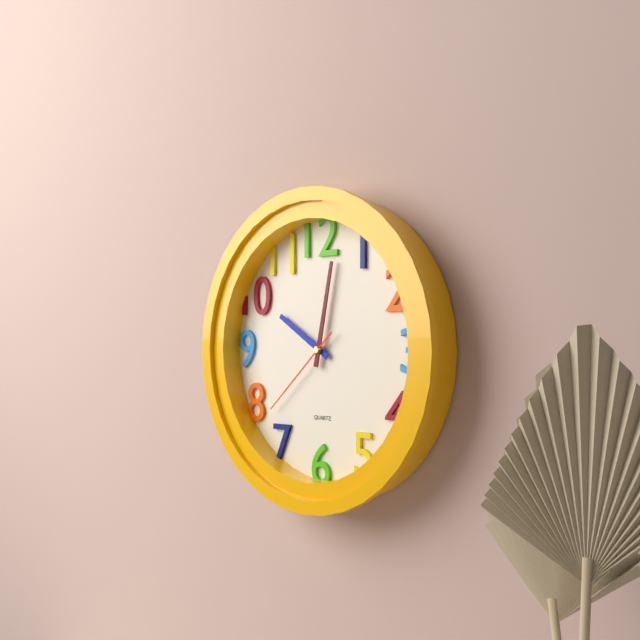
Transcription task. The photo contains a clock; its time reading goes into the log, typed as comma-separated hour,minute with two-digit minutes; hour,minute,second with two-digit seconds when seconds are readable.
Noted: 10,02,38
